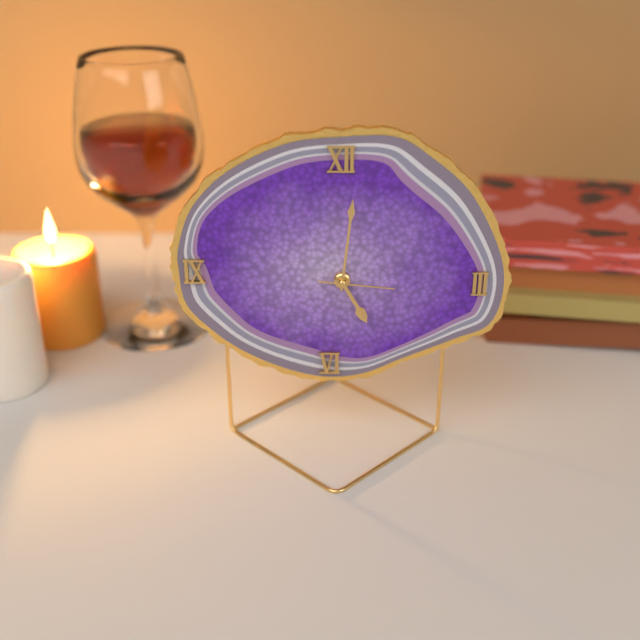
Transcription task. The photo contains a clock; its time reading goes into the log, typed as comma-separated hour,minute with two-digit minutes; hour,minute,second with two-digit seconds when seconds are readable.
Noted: 5,01,16
